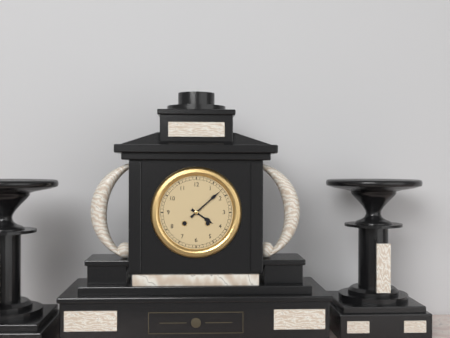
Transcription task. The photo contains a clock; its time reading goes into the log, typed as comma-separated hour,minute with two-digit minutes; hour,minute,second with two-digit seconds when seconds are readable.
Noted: 4,08
